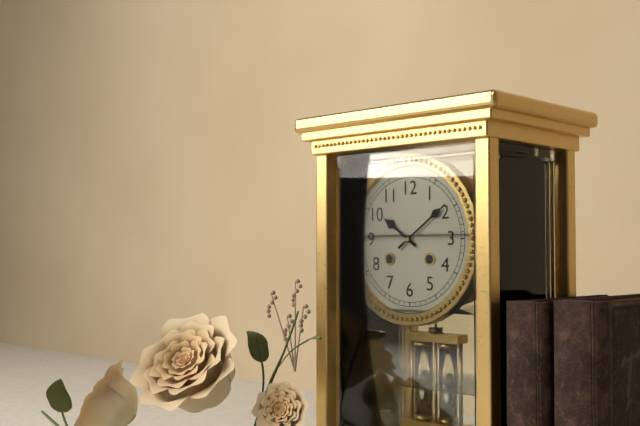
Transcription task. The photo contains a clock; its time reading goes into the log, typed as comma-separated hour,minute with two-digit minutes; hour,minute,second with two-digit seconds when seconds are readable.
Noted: 10,09
